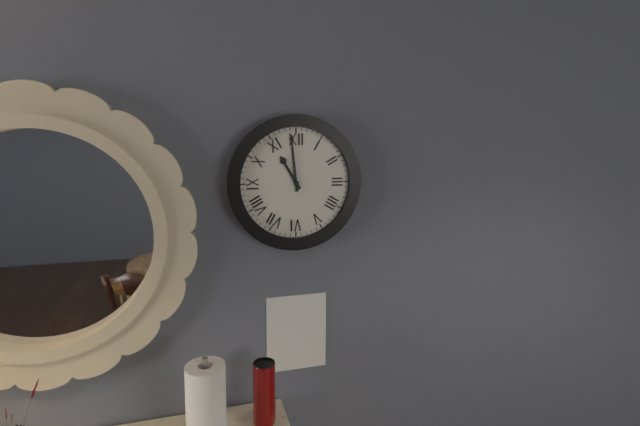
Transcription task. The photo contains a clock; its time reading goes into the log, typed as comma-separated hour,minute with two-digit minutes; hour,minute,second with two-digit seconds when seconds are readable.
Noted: 10,59
